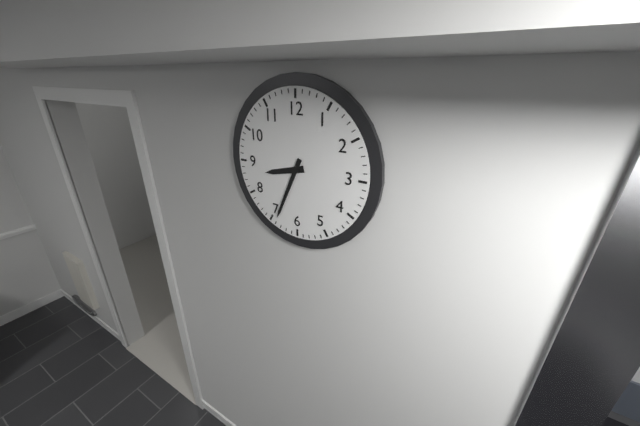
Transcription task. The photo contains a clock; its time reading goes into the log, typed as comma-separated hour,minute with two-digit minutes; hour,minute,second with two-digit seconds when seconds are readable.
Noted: 8,34
